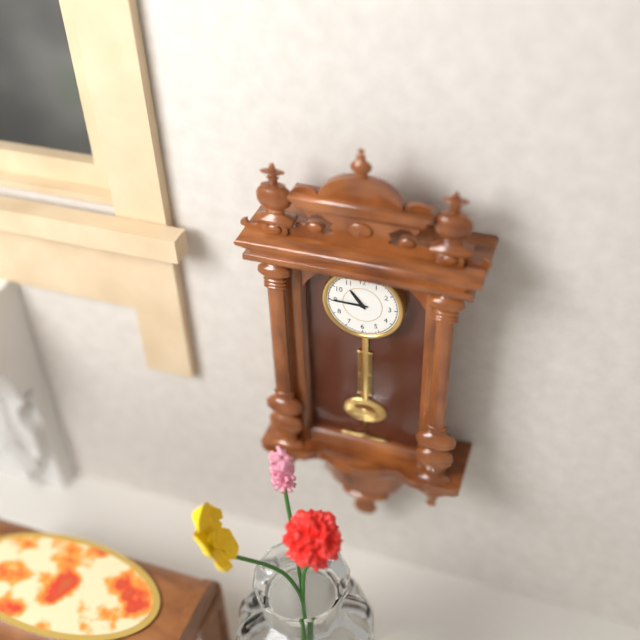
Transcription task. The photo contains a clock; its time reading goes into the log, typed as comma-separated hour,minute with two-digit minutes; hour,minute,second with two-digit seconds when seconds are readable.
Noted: 10,45
